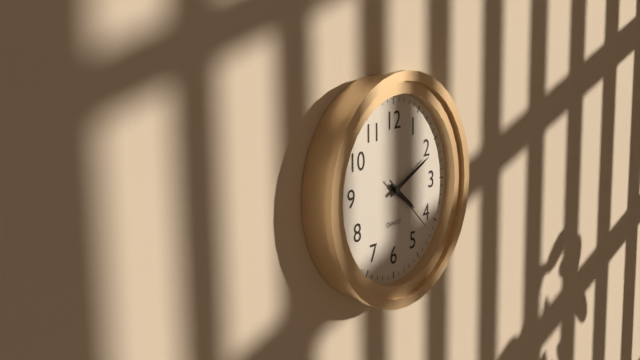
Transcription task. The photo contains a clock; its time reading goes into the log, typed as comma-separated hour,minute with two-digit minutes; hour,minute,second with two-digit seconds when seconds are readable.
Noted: 4,11,22
